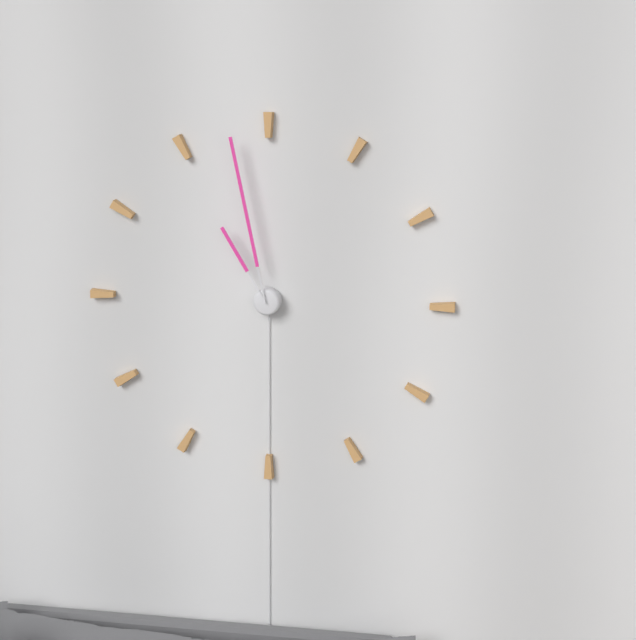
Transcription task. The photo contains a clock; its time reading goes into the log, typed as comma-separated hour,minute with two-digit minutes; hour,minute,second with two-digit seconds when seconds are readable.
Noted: 10,58
